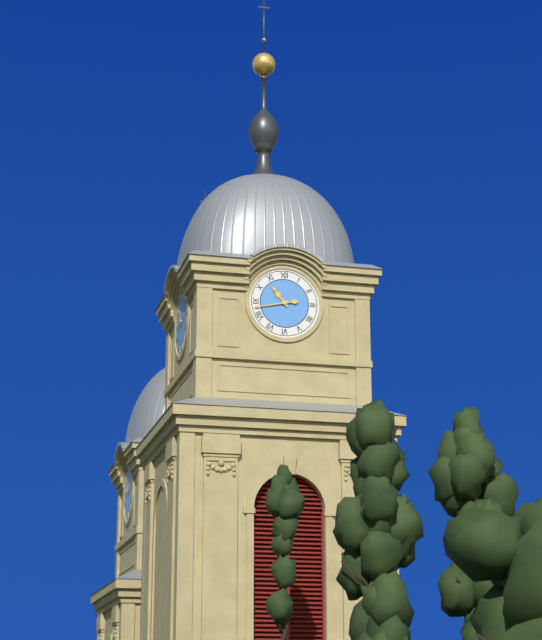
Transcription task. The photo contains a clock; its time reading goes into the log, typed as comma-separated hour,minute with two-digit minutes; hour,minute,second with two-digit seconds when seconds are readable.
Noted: 10,43
